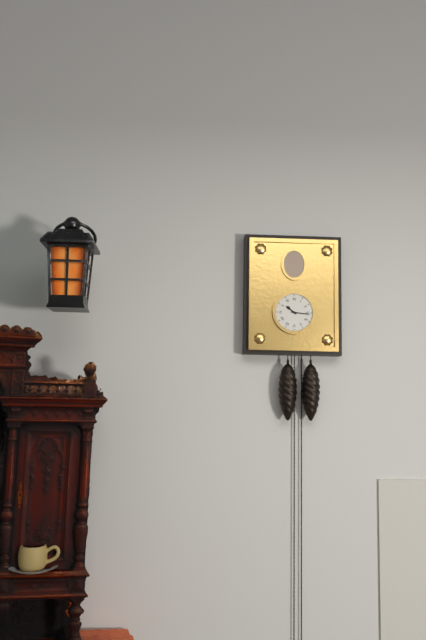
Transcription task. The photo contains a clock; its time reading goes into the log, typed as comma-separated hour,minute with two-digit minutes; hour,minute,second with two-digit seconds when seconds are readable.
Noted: 10,16
